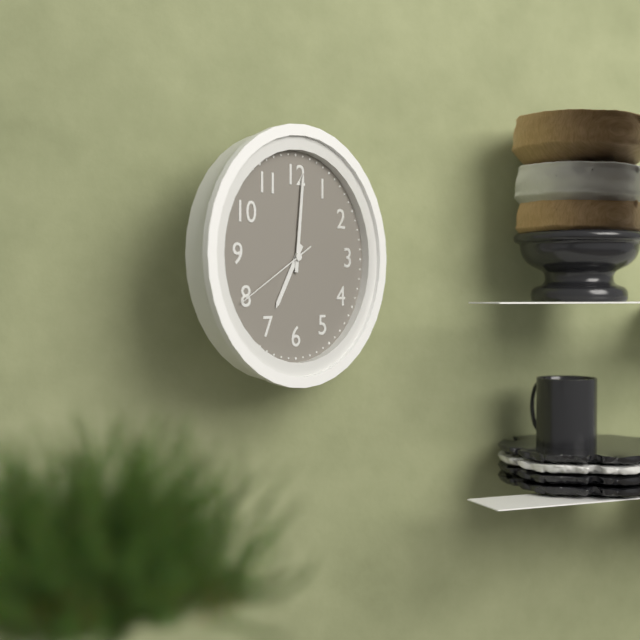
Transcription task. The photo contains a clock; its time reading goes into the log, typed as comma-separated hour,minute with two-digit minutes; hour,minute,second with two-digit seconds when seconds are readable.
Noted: 7,01,40
